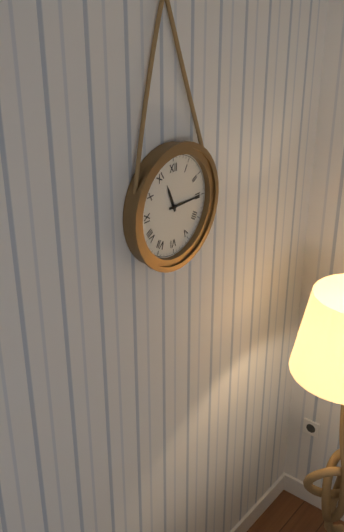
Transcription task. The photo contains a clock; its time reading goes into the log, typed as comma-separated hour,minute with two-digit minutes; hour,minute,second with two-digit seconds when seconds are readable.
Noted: 11,15
